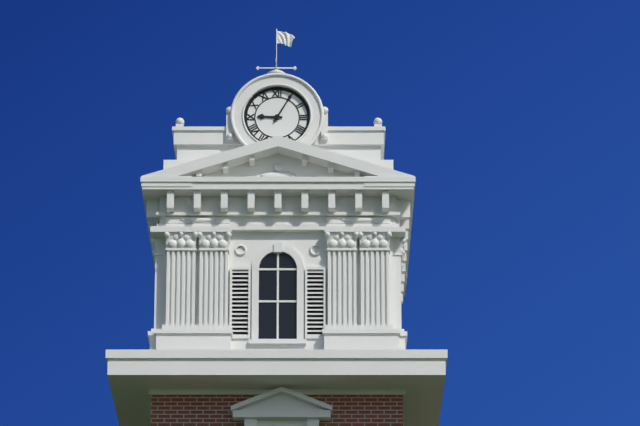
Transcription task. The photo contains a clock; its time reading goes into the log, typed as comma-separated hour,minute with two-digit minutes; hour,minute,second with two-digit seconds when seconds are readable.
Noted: 9,05
